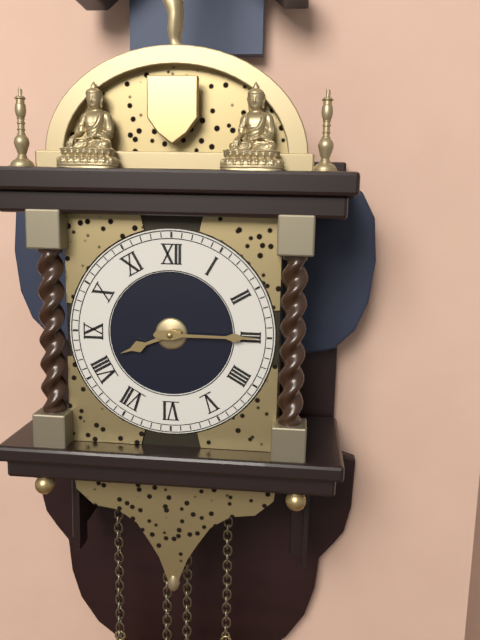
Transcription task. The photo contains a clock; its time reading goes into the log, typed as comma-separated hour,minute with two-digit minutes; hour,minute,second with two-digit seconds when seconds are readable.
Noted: 8,15
